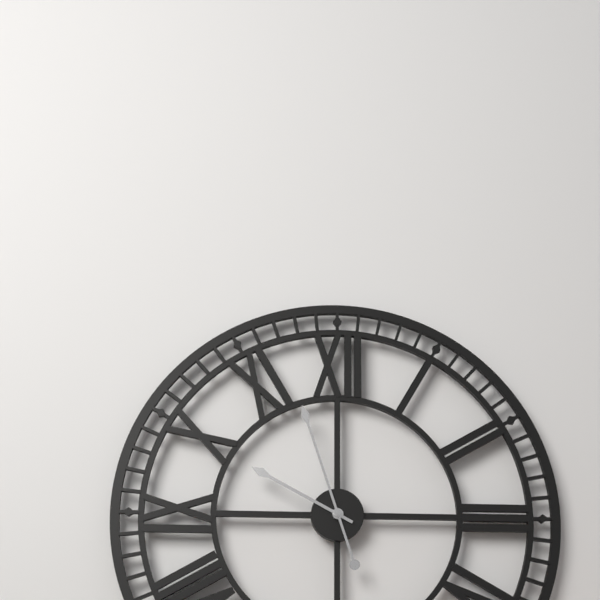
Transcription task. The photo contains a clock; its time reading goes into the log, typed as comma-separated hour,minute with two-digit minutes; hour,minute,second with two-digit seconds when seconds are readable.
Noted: 9,57
